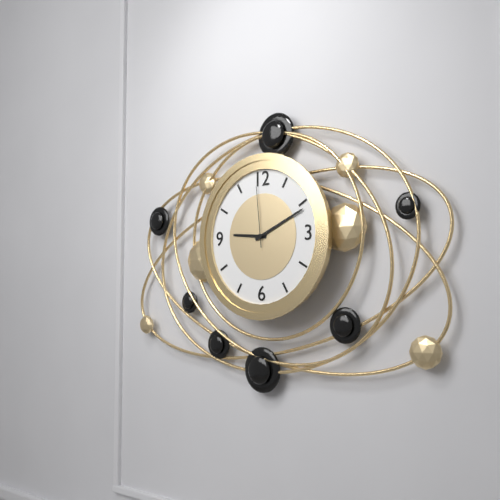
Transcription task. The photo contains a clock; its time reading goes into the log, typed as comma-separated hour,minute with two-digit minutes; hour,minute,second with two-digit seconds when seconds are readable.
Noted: 9,11,59
